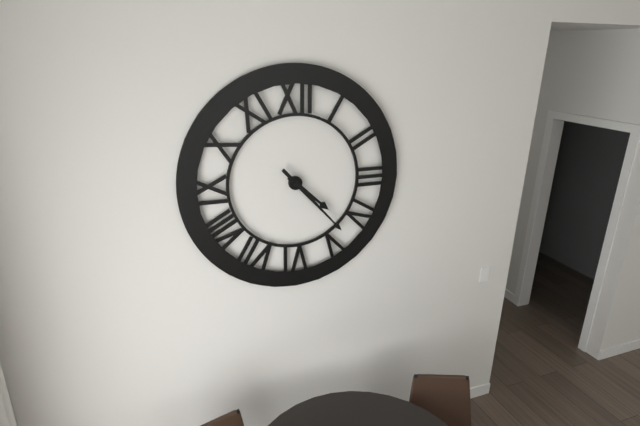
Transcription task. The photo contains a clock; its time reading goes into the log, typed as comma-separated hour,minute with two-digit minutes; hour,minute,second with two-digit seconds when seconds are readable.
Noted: 4,23
